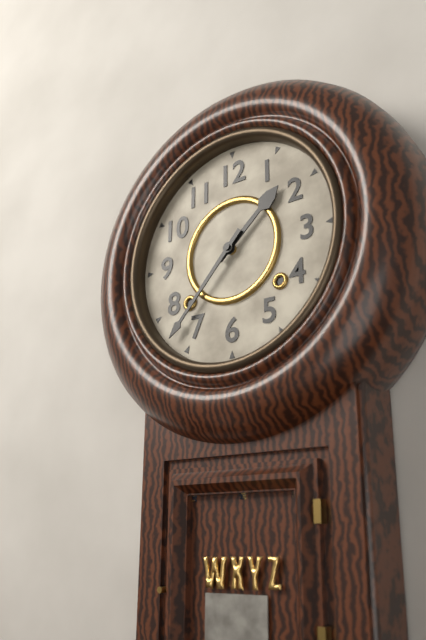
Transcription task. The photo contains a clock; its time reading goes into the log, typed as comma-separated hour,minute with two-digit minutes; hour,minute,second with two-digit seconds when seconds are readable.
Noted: 1,37
